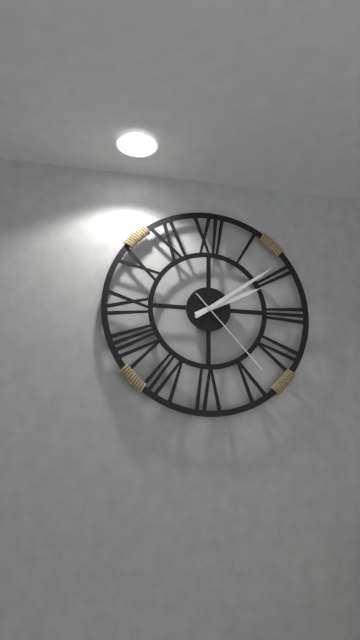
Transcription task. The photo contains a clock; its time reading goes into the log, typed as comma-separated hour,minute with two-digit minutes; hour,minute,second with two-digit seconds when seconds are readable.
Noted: 2,09,23
